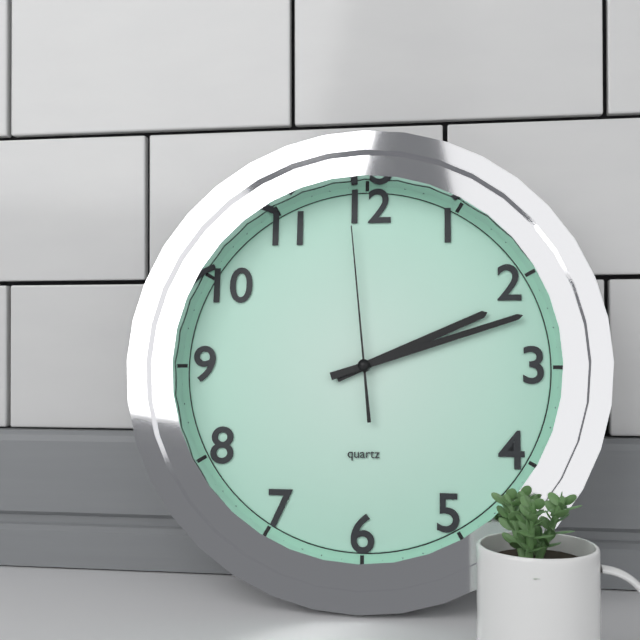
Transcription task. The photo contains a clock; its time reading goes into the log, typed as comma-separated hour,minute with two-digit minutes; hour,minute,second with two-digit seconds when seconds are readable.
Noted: 2,12,59
